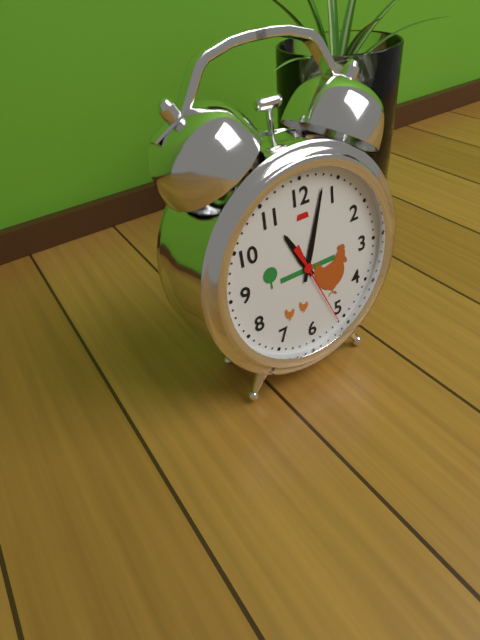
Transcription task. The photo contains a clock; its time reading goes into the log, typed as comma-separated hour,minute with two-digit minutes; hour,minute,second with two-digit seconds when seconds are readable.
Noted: 11,03,26
